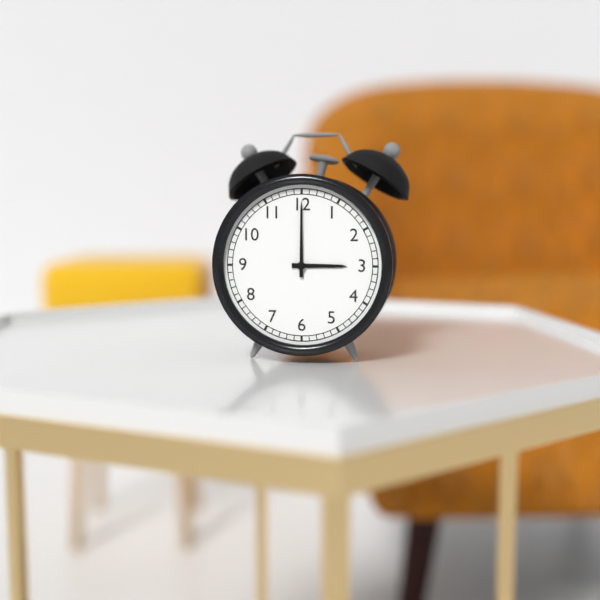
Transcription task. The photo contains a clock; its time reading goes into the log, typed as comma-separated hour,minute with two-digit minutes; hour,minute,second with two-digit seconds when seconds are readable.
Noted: 3,00
